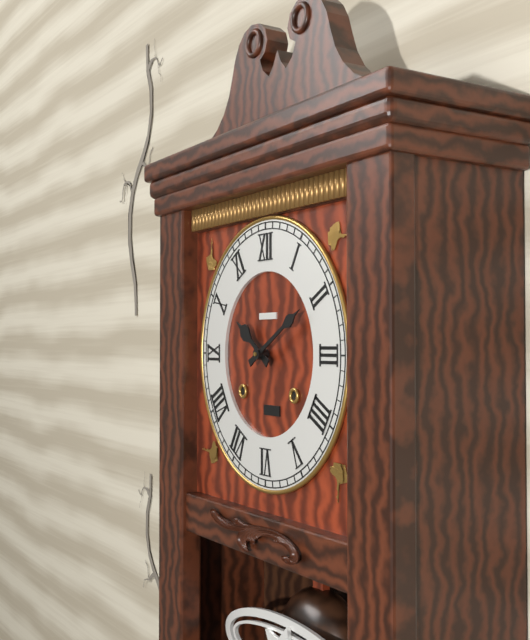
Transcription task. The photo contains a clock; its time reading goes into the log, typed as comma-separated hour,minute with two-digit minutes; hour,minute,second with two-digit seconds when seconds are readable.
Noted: 10,10
